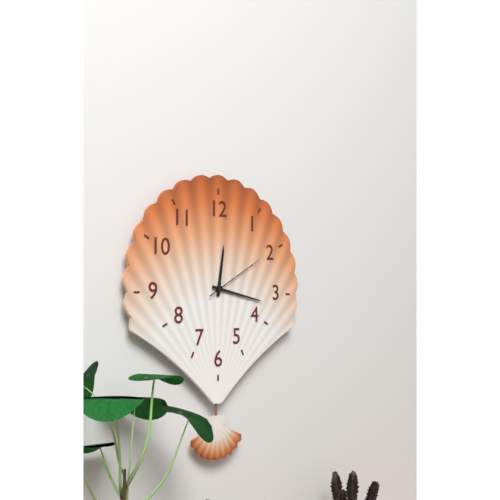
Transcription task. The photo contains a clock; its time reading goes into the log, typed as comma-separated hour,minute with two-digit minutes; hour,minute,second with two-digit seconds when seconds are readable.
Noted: 12,17,10
